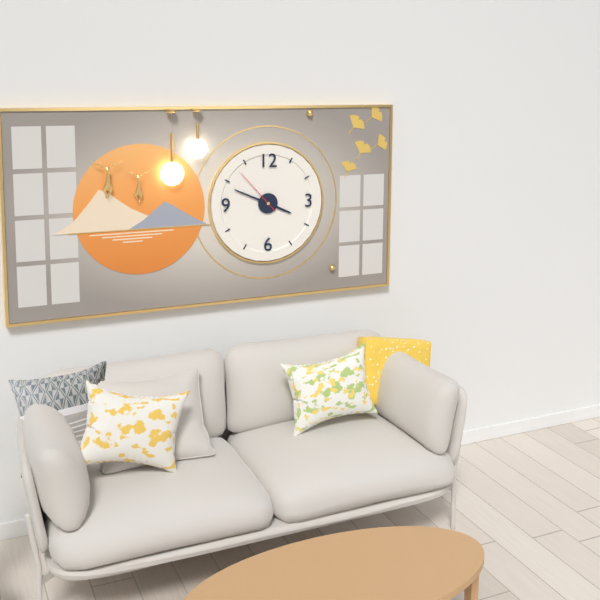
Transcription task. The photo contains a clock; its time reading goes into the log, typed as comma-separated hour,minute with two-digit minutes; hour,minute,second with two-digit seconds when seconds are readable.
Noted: 3,49,53
